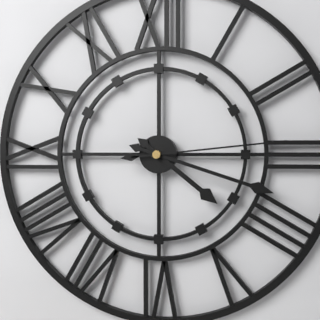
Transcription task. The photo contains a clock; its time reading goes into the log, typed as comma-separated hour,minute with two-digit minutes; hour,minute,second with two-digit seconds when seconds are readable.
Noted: 4,18,14
